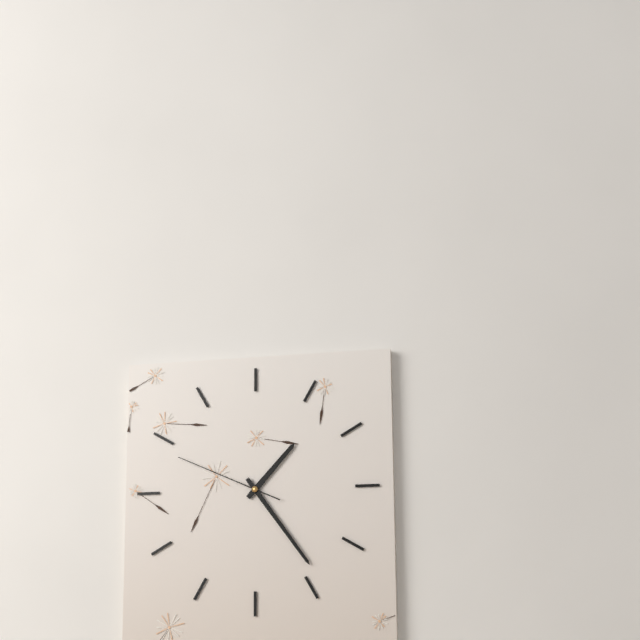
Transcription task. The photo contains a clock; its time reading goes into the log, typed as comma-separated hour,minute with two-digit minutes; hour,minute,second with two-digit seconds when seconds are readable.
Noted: 1,24,49
